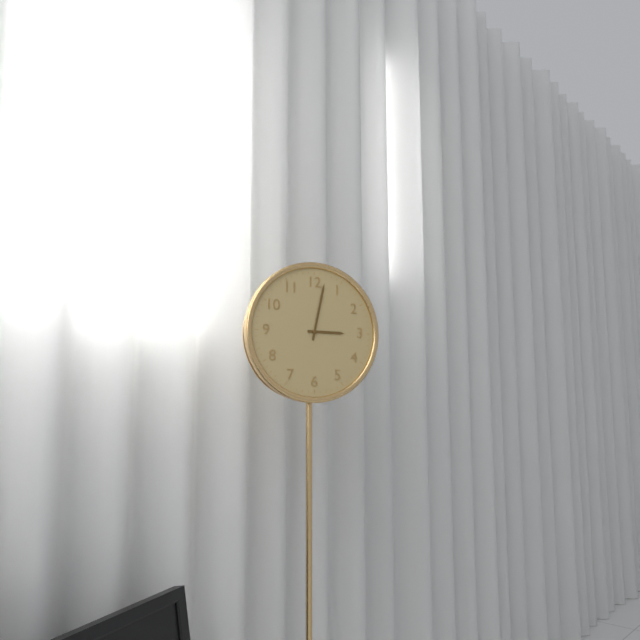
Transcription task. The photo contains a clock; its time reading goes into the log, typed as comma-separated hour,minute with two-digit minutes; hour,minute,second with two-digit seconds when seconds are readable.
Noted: 3,02
